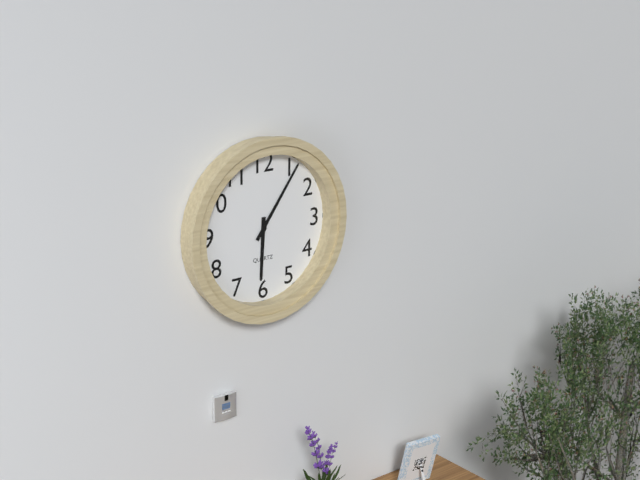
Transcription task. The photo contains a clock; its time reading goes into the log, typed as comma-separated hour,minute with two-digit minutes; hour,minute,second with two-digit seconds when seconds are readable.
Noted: 6,06
